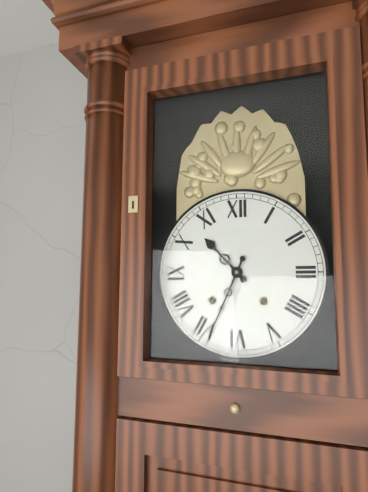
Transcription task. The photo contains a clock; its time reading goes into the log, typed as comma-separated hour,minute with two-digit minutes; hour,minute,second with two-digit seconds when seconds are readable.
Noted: 10,34
